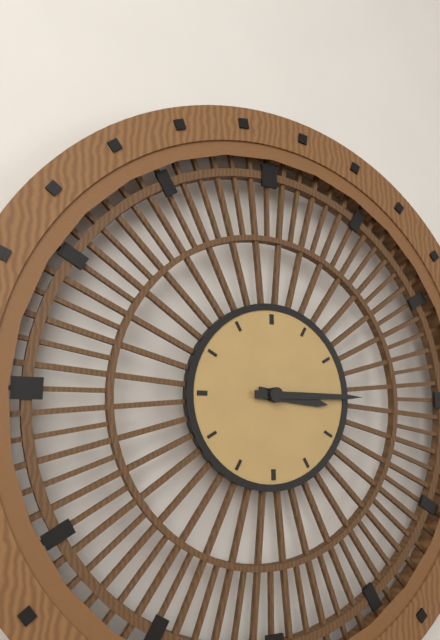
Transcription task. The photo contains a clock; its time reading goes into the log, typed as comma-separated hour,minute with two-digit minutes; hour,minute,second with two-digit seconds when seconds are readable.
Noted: 3,15
